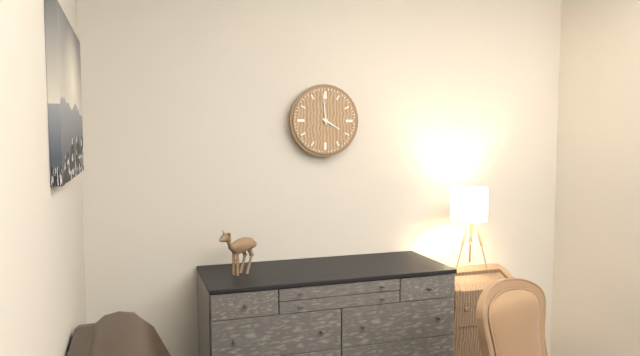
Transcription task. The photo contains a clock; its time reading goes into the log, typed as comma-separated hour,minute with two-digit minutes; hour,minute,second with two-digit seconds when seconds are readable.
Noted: 3,59
